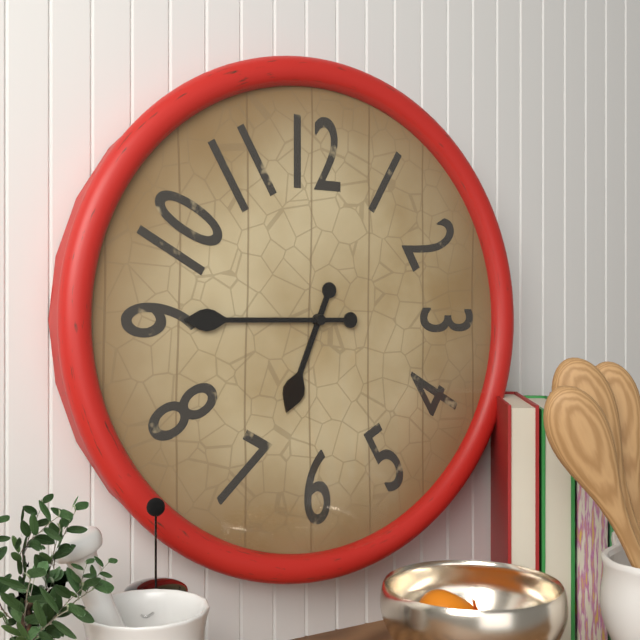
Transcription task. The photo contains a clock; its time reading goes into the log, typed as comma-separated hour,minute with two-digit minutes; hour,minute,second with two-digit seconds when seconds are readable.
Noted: 6,45
